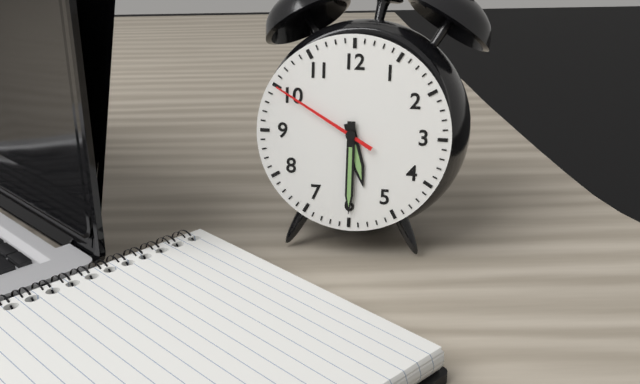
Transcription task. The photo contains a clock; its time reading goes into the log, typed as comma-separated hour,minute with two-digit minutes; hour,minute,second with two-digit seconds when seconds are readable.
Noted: 5,30,50
